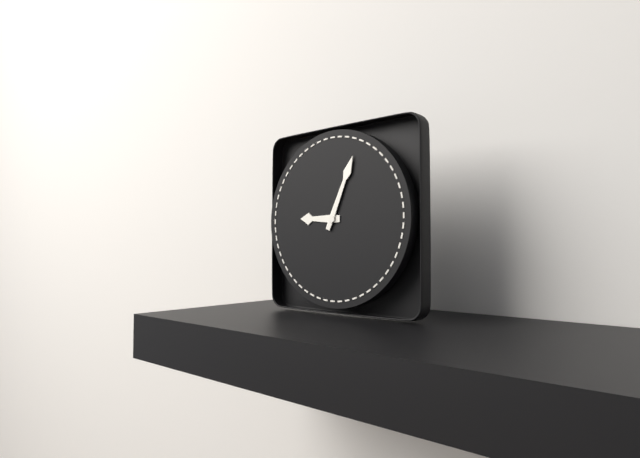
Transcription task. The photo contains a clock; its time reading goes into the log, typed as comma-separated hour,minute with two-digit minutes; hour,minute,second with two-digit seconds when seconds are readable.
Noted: 9,04
